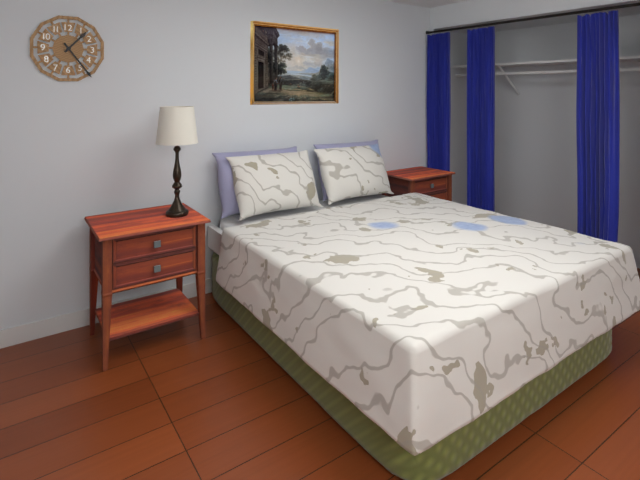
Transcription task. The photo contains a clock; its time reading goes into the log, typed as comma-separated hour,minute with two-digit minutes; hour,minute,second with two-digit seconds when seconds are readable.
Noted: 1,24
